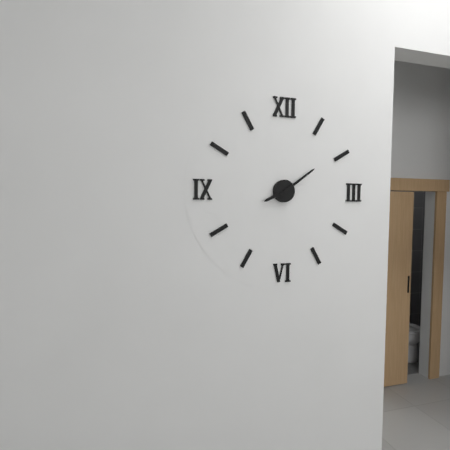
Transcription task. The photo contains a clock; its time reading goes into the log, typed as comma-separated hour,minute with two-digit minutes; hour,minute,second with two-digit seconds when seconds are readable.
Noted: 8,09
